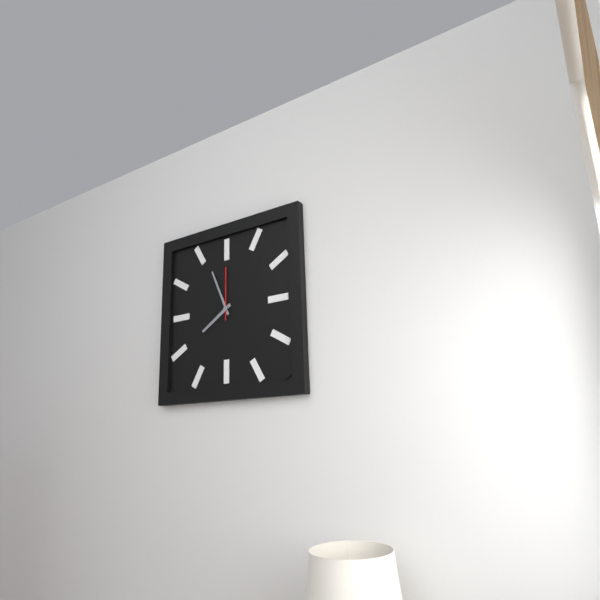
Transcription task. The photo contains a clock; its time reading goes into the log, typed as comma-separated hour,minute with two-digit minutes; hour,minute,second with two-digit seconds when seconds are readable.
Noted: 7,56,00
